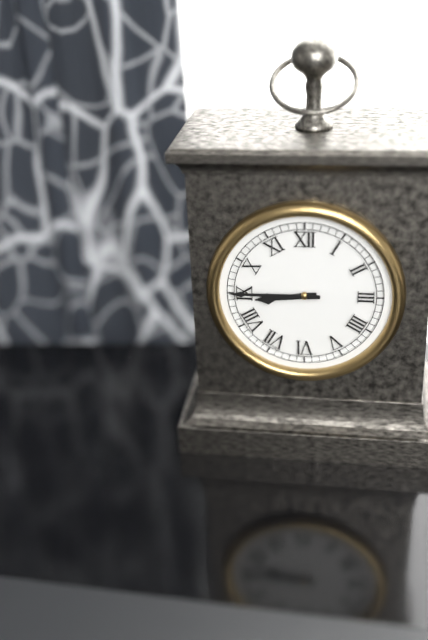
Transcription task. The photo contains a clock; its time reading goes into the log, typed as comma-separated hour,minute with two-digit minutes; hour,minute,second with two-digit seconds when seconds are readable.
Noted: 8,45
